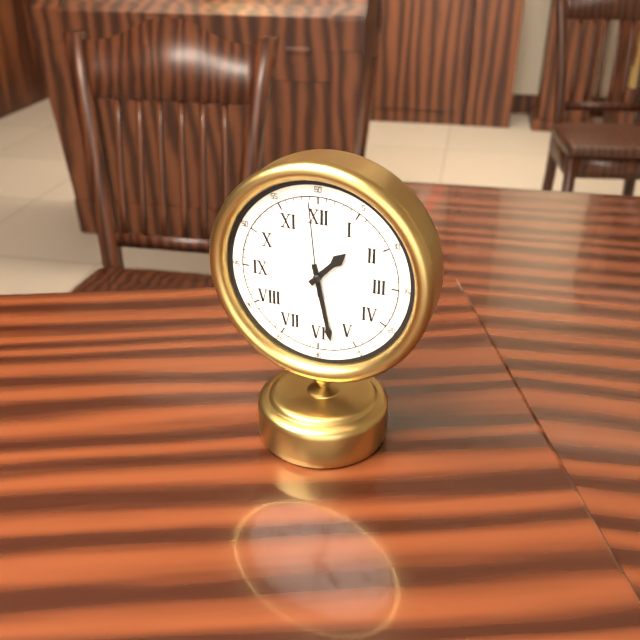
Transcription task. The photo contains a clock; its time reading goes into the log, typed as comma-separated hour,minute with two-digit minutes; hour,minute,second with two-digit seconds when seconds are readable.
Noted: 1,28,59
